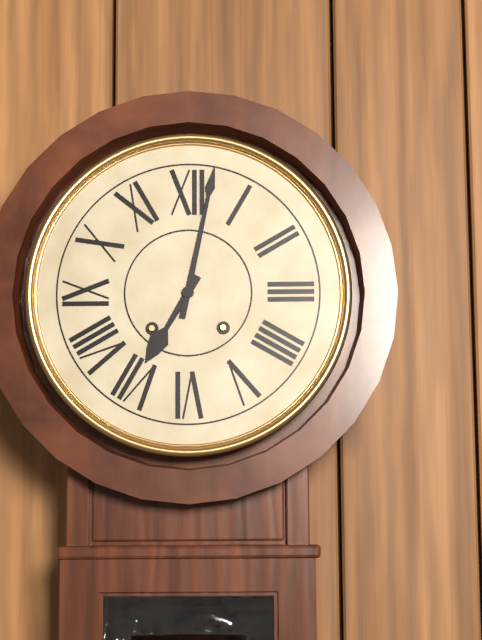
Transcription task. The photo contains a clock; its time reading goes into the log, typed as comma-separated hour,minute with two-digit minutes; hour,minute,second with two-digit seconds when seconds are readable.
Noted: 7,02
